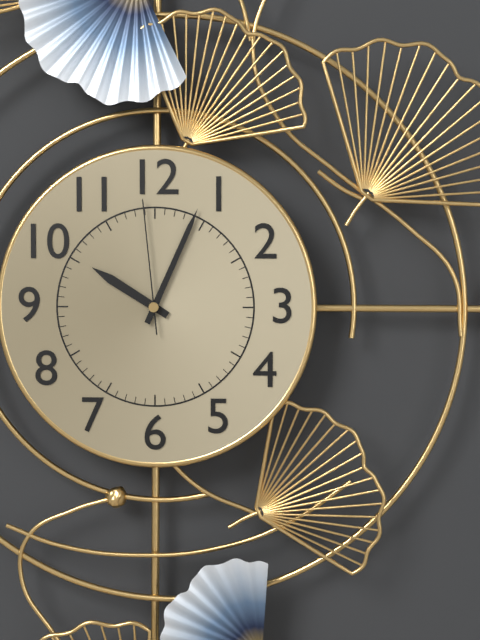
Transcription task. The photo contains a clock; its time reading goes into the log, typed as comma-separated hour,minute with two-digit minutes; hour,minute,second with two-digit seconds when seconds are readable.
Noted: 10,04,59
